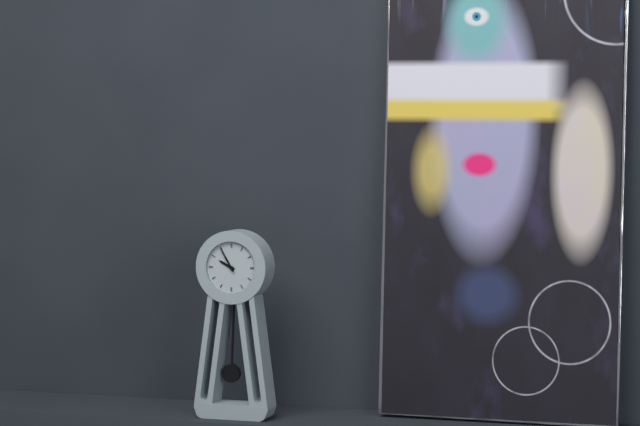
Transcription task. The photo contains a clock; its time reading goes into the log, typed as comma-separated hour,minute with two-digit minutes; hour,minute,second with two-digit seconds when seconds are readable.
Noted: 9,55
